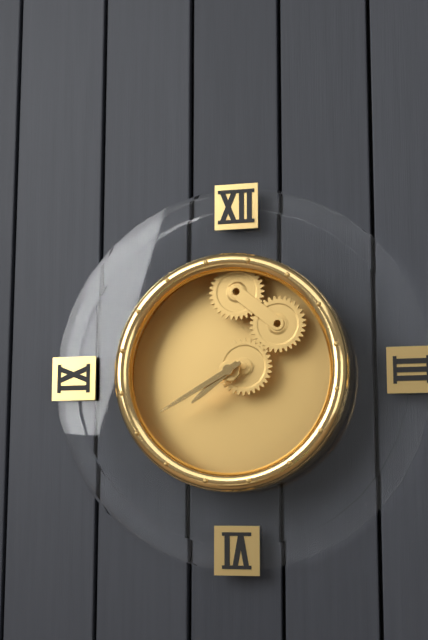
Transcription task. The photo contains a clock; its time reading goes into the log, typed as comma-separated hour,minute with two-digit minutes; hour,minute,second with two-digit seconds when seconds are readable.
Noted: 7,40
